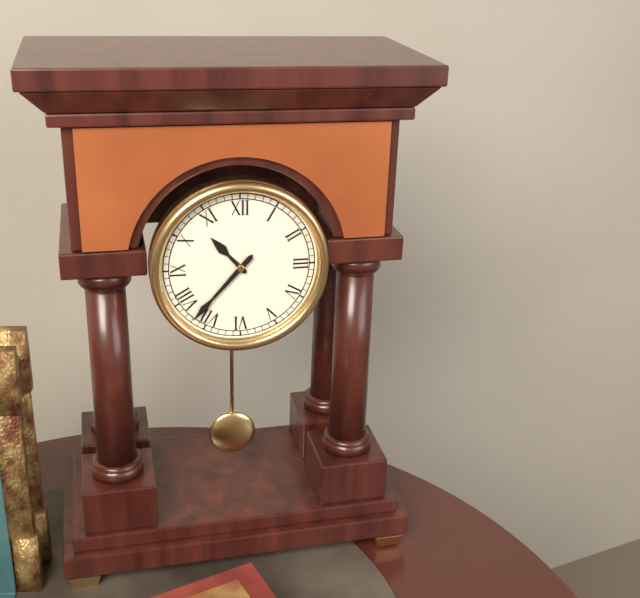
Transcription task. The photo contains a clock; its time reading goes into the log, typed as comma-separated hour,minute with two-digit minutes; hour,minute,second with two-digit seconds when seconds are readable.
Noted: 10,37
